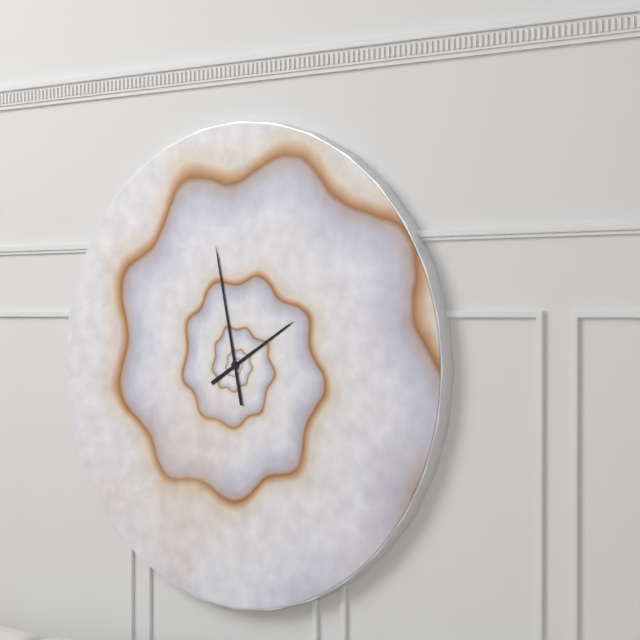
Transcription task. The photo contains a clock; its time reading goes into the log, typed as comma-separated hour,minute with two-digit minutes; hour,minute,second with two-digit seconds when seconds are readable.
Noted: 1,58
